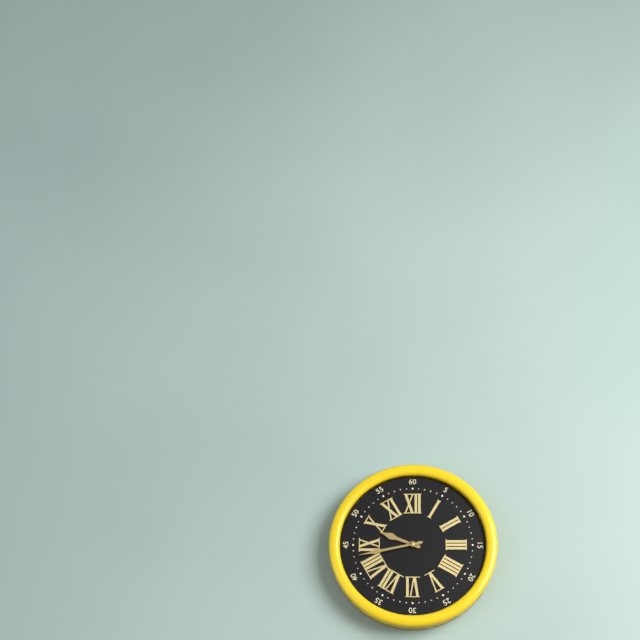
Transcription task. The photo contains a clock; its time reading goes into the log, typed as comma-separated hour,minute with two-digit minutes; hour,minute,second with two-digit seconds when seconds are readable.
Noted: 9,43
